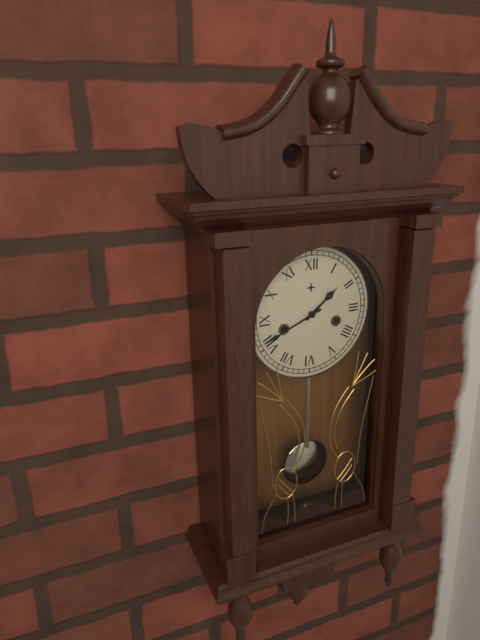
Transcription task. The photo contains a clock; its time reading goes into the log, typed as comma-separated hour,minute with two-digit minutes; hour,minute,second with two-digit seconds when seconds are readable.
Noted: 1,41
